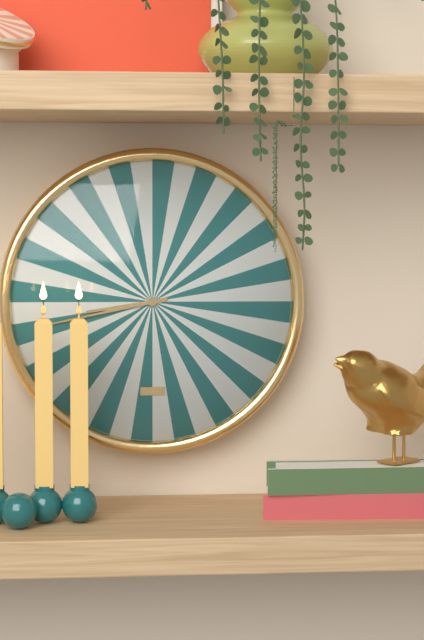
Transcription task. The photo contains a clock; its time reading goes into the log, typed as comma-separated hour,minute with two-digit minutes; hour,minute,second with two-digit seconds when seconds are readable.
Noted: 8,43
